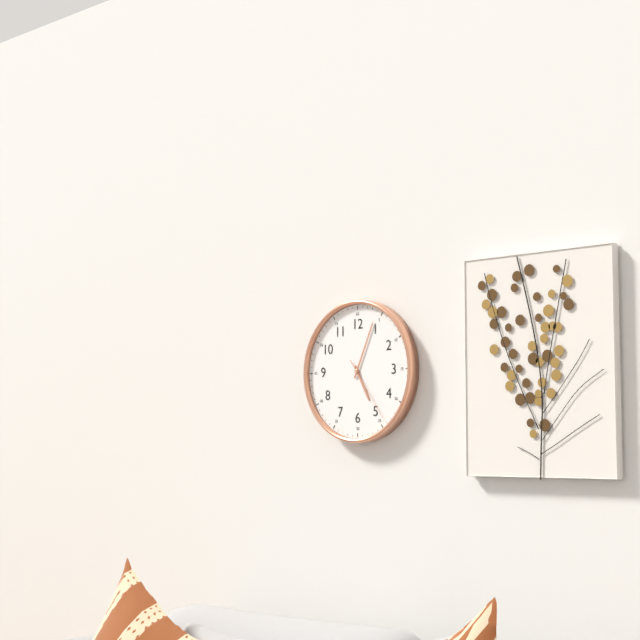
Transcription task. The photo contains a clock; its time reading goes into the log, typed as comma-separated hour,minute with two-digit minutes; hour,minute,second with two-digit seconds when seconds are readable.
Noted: 5,04,24
